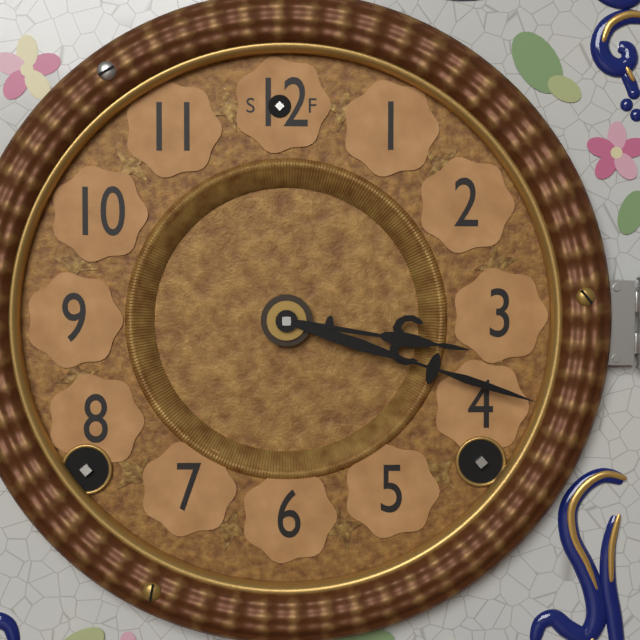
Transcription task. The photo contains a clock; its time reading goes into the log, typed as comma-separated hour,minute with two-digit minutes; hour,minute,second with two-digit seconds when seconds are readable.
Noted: 3,18
